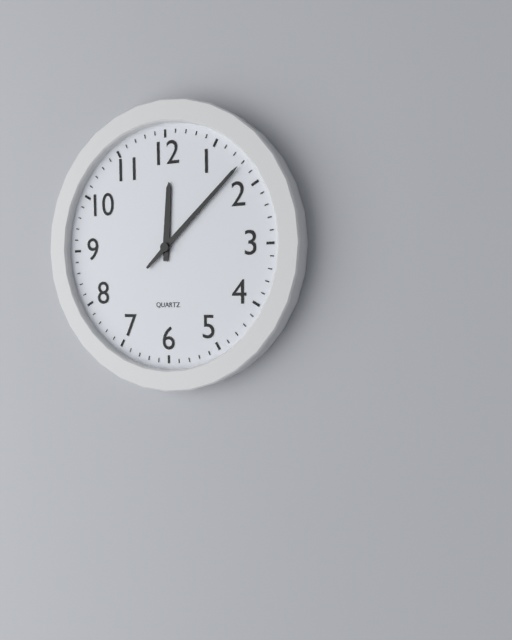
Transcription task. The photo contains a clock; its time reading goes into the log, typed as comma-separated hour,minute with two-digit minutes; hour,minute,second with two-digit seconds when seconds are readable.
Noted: 12,08
